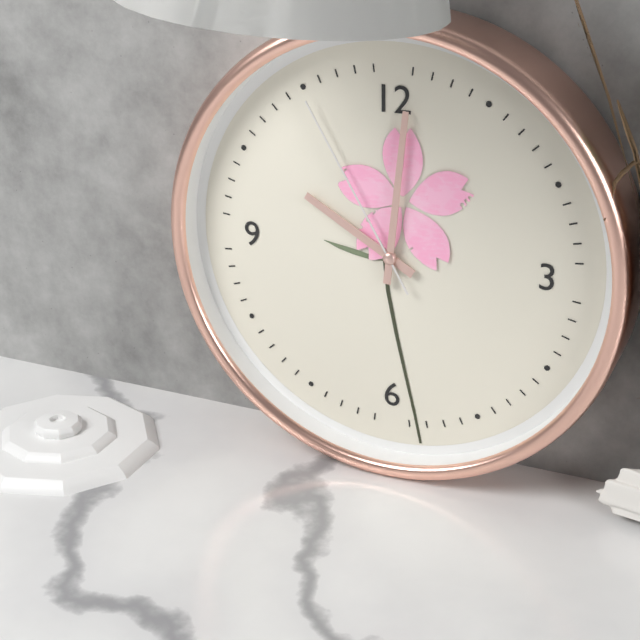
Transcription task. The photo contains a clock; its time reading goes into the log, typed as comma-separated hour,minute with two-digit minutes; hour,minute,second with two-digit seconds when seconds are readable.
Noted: 10,01,55
